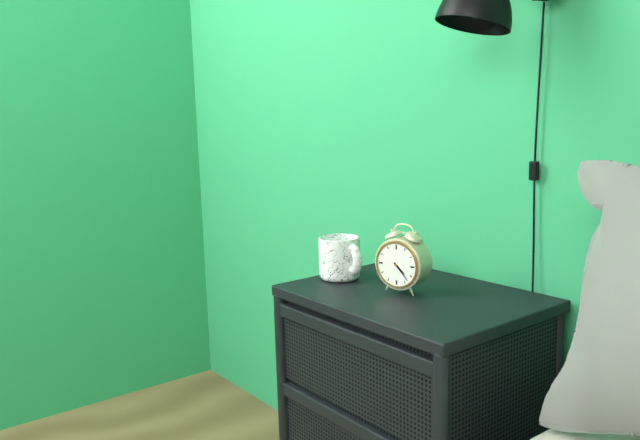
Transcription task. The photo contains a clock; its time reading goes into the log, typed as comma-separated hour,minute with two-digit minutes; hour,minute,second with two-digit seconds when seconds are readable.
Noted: 4,23
